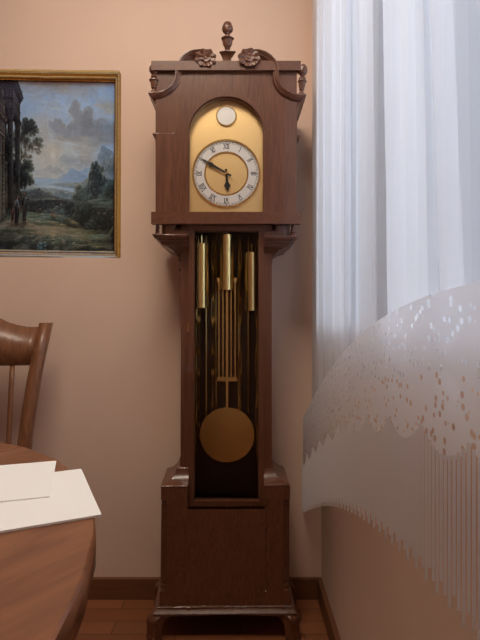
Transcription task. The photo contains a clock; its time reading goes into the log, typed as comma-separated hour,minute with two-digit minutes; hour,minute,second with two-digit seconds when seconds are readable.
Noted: 5,50
